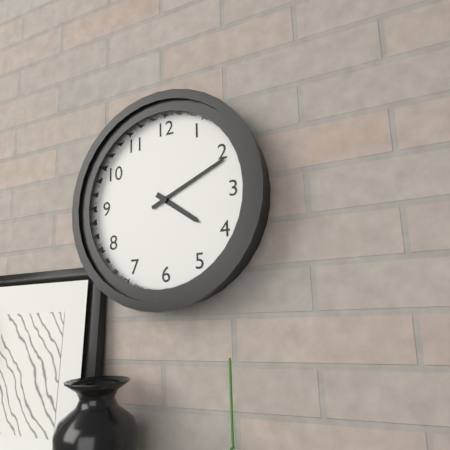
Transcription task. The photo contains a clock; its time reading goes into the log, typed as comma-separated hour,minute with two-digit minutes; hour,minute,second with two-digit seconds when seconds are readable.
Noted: 4,11
